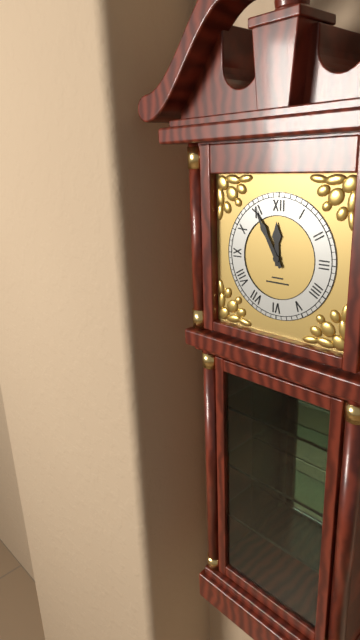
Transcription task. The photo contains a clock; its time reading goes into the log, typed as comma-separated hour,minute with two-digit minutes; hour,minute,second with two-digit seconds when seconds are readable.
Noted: 11,55
